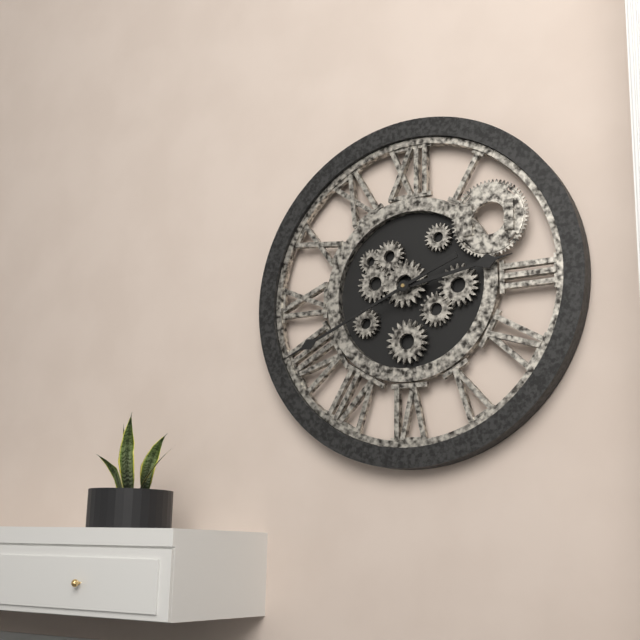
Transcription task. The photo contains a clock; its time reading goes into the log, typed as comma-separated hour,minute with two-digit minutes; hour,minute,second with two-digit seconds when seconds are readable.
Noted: 2,41
